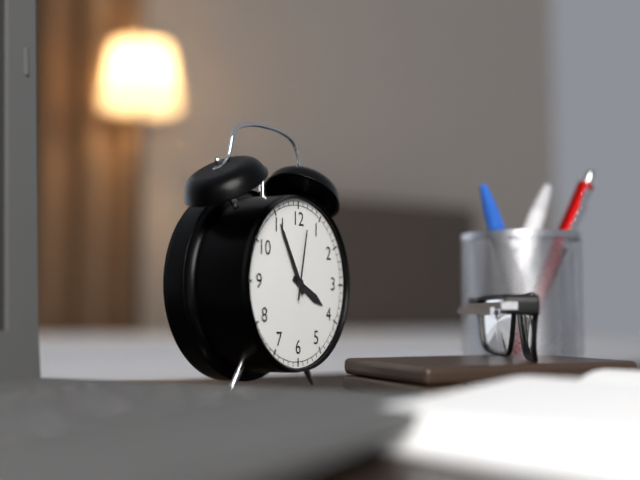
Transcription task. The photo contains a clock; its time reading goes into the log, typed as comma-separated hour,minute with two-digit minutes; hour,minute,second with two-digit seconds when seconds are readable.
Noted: 3,55,02
